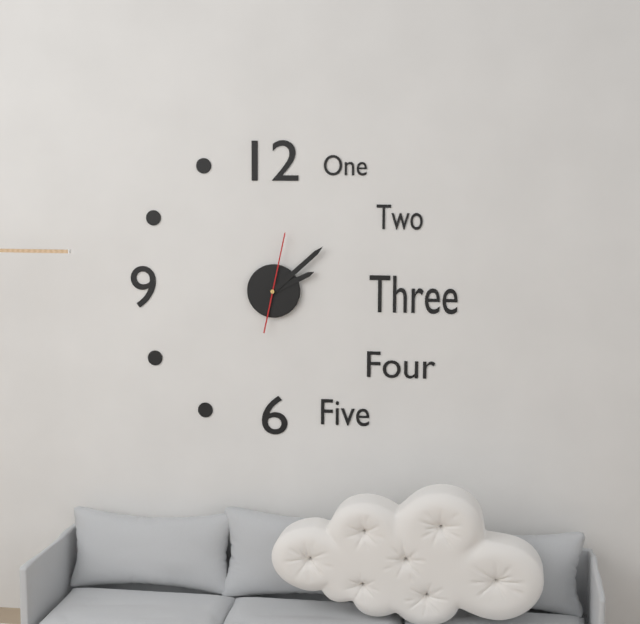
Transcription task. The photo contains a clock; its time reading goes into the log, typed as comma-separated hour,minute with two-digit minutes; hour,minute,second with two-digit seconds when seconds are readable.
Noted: 2,08,02
